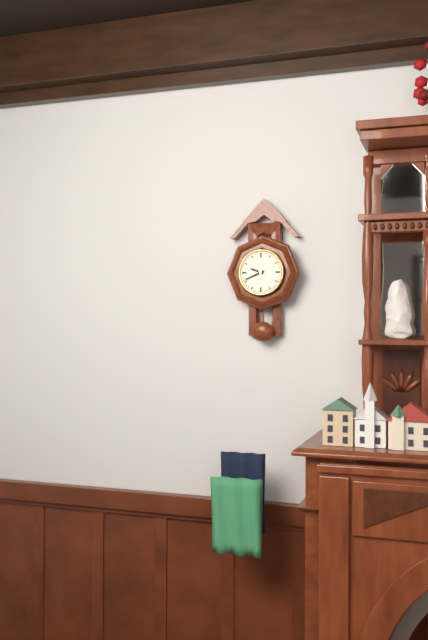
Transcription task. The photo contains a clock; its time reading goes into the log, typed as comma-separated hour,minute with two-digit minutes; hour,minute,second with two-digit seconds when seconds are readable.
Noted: 9,41
